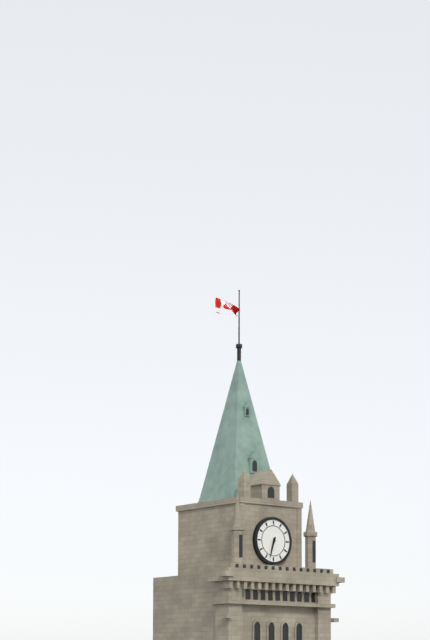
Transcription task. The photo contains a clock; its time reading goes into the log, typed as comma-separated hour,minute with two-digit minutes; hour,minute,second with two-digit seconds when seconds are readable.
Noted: 6,33
